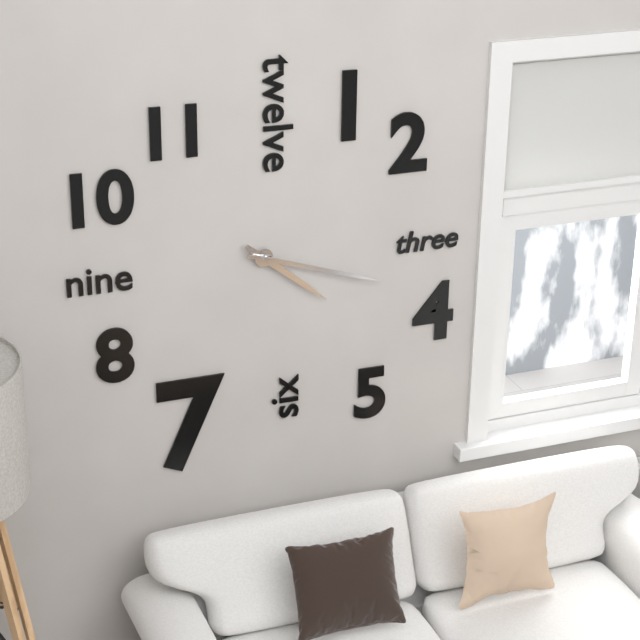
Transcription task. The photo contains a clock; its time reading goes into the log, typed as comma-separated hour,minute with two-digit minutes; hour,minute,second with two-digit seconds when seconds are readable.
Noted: 4,18
